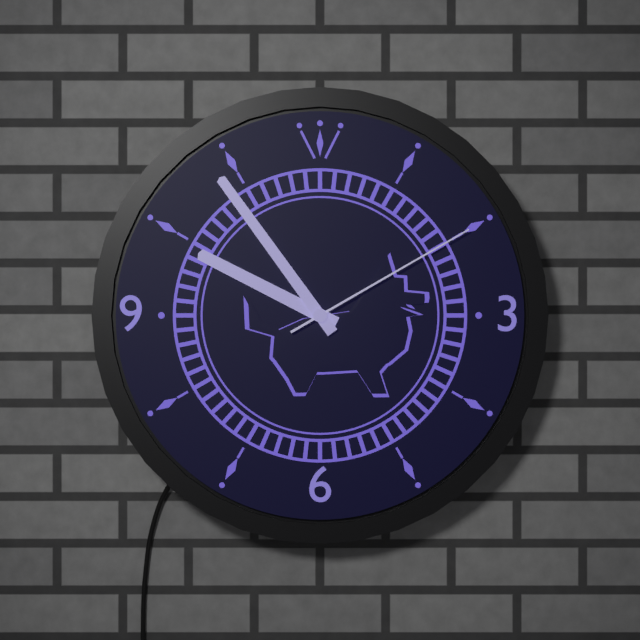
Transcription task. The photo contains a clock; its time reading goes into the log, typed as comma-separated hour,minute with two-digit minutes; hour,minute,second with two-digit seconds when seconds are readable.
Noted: 9,54,10
